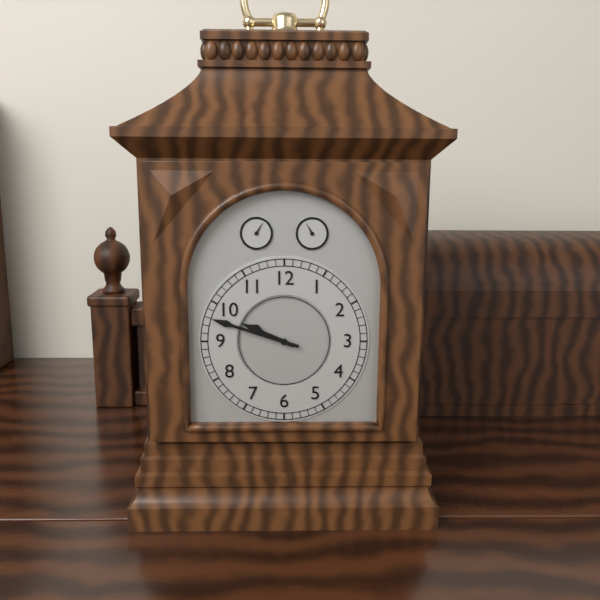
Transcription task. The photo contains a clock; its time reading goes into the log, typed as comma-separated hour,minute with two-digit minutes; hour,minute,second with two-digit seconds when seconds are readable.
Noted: 9,48
